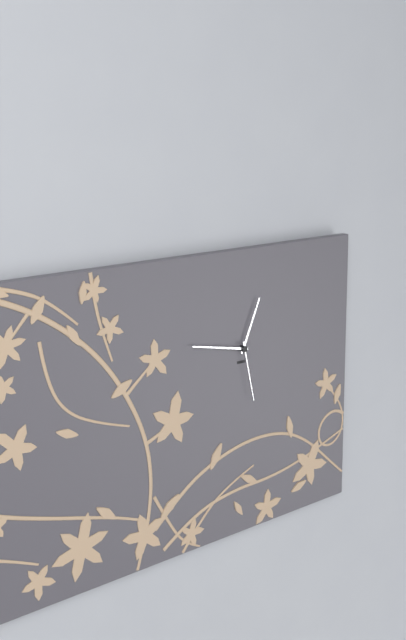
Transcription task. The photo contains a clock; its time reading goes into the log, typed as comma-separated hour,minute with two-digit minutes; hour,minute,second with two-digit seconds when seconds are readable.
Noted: 12,47,28
